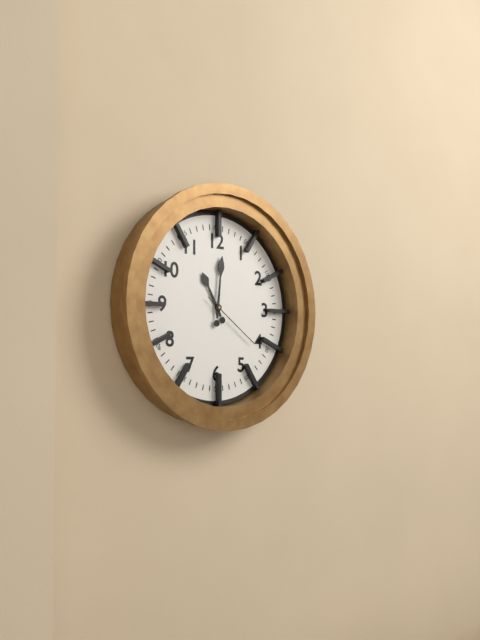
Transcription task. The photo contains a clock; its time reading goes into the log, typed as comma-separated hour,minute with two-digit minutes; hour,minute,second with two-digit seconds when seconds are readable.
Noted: 11,01,21
